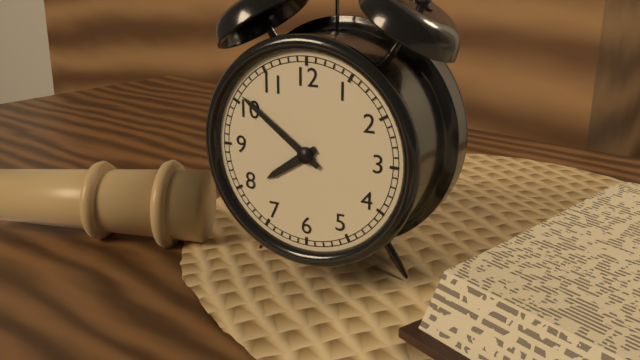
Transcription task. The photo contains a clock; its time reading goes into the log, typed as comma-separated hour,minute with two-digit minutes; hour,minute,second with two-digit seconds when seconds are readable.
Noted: 7,51
